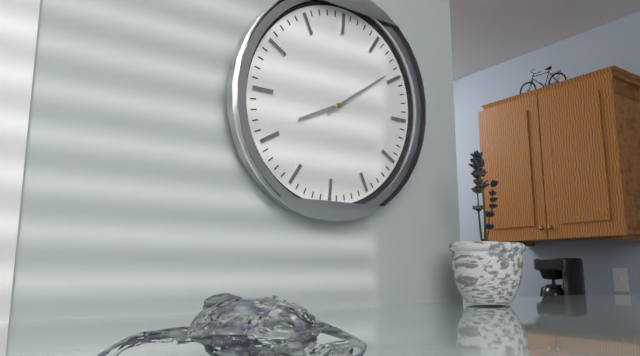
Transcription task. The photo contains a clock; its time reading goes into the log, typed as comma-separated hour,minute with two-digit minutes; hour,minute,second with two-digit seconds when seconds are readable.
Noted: 8,09
